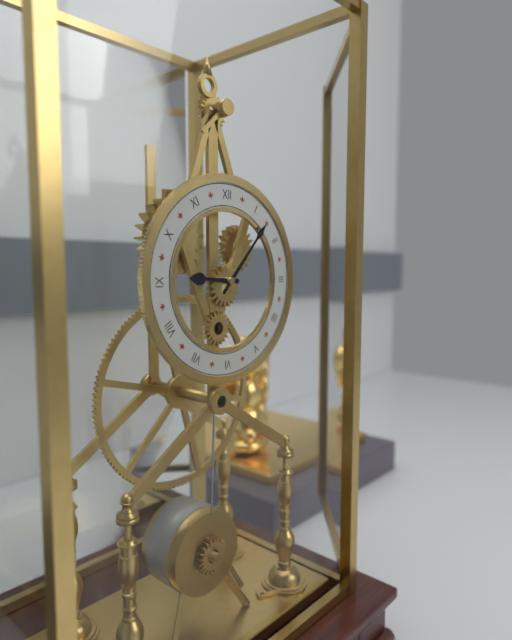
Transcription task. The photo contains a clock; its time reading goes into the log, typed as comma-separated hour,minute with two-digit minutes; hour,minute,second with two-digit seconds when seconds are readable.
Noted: 9,07
